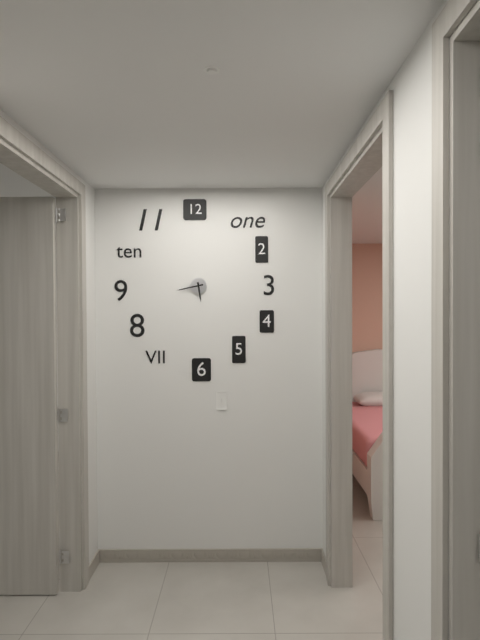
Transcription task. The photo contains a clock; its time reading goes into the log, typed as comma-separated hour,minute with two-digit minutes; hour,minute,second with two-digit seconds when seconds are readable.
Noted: 5,43
